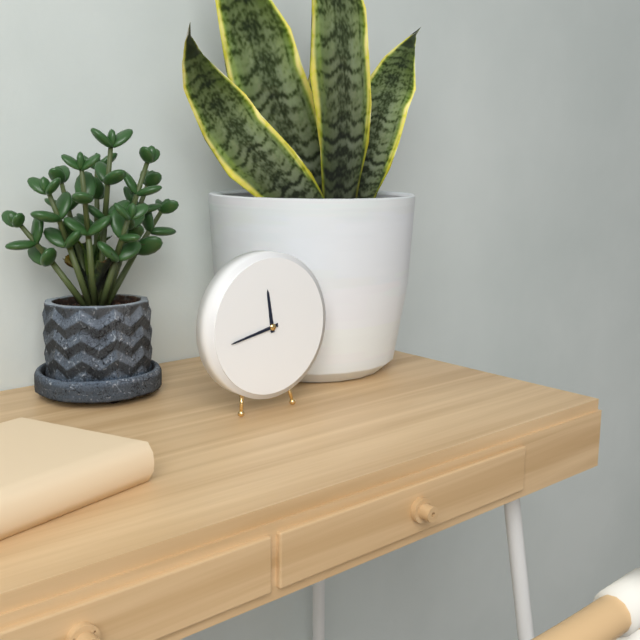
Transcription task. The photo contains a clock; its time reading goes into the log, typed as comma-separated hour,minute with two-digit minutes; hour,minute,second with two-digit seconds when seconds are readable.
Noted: 11,43
